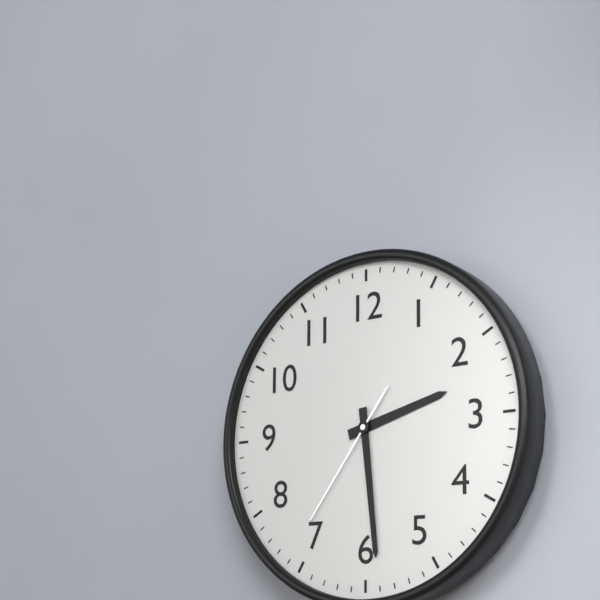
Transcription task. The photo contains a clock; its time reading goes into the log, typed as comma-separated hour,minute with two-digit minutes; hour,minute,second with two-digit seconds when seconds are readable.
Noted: 2,29,36
